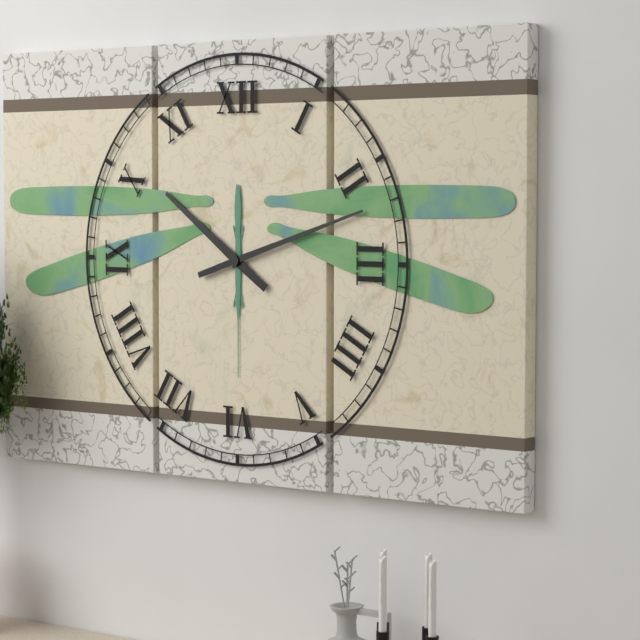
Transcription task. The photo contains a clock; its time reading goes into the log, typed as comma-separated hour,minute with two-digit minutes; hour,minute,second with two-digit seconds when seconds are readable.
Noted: 10,12
